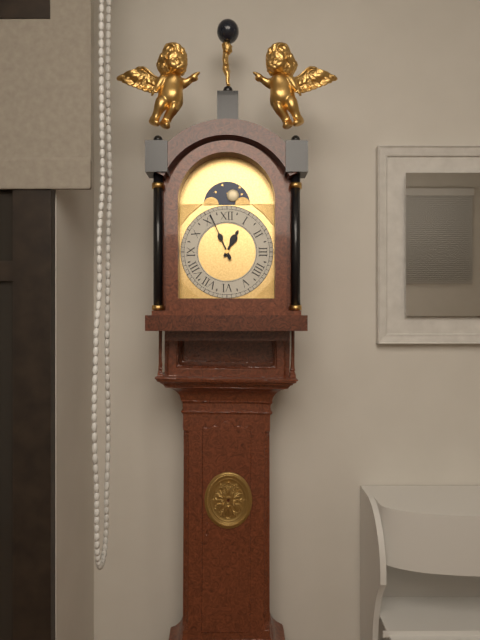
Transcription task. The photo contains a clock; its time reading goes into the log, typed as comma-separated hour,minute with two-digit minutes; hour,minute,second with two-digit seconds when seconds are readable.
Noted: 12,56
